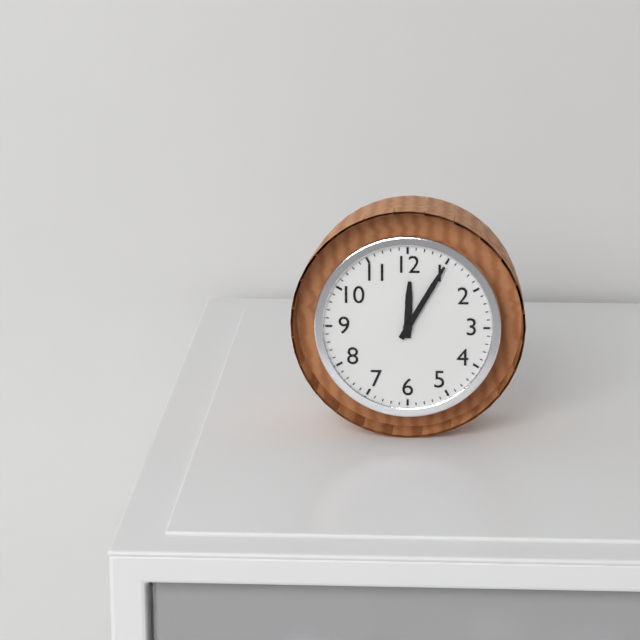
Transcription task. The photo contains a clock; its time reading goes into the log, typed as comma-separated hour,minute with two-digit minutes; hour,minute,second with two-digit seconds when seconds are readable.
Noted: 12,05
